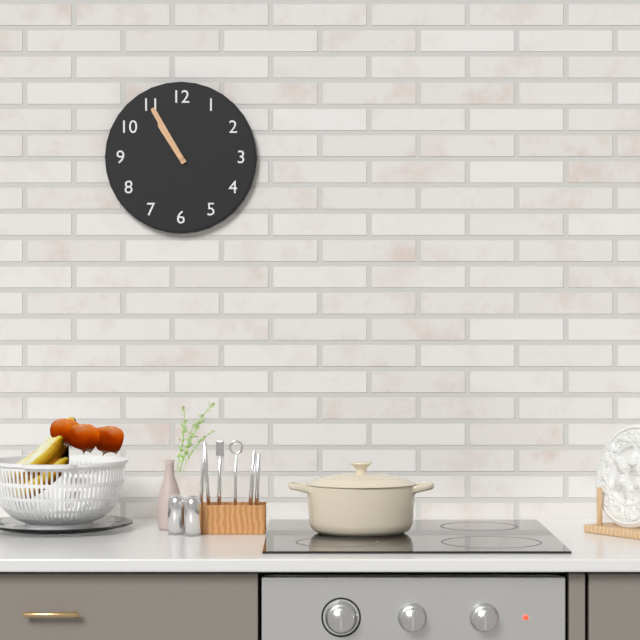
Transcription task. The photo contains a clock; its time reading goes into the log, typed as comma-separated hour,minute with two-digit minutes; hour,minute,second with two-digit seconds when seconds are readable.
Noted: 10,55
